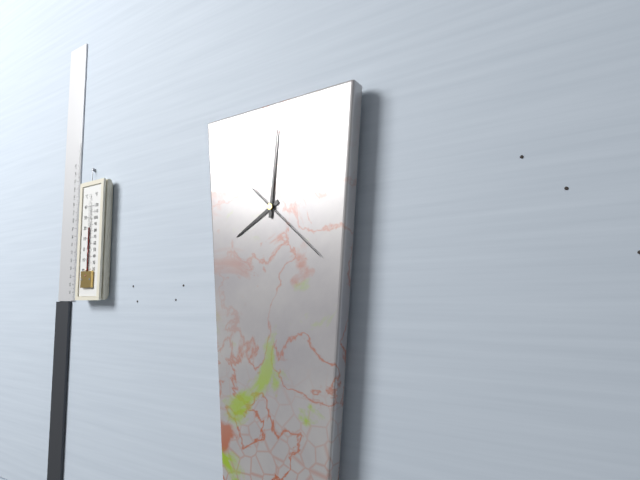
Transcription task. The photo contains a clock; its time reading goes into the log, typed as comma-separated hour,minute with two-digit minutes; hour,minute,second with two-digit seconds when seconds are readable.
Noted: 8,01,22
